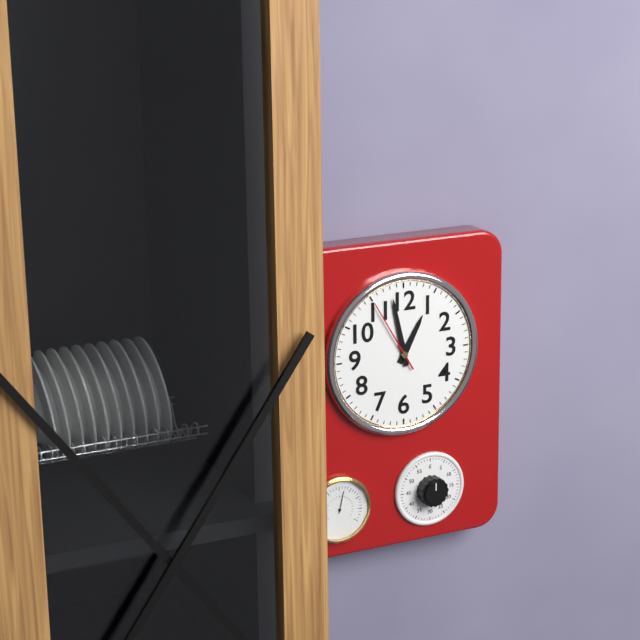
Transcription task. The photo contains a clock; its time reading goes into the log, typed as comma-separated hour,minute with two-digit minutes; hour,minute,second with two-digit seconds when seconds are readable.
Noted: 12,58,55
